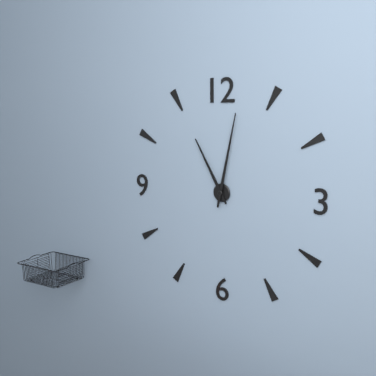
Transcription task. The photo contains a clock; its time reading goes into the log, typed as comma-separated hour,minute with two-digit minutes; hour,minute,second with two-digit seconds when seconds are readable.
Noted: 11,02
